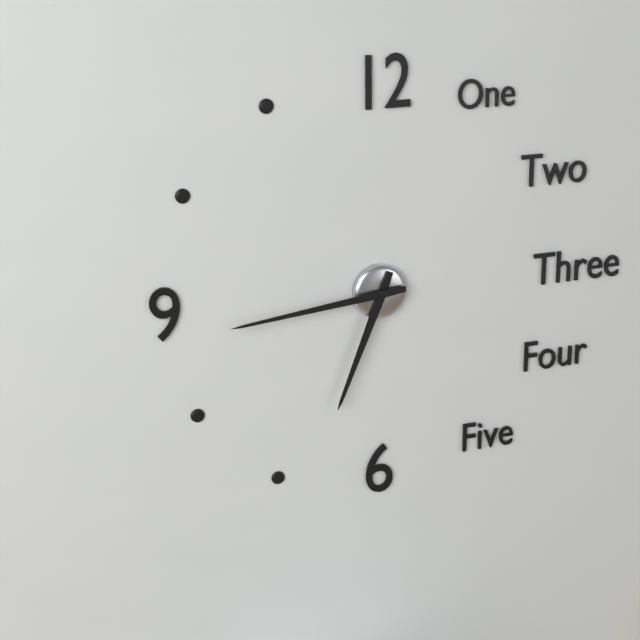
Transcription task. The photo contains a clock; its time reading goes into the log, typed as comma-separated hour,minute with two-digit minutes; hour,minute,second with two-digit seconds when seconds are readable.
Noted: 6,44
